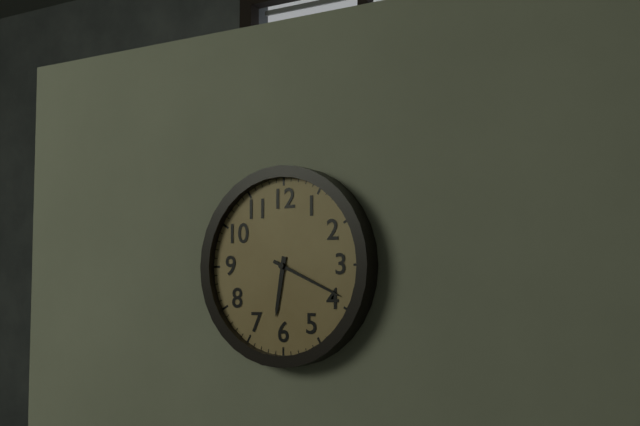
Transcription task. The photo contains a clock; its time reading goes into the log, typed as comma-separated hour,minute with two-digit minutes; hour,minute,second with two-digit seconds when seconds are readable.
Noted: 6,19
